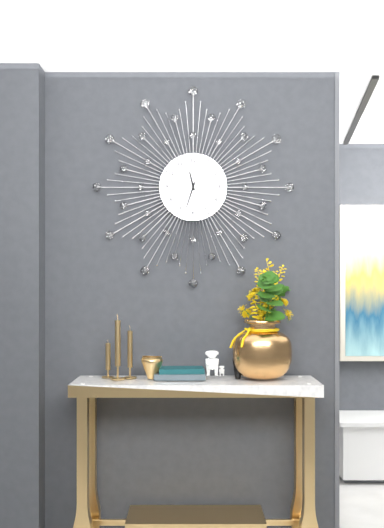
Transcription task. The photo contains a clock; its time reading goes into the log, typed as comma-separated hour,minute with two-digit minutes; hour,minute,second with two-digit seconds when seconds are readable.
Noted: 11,33
